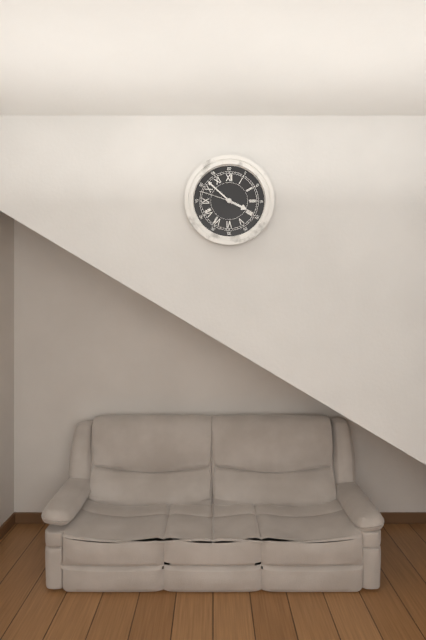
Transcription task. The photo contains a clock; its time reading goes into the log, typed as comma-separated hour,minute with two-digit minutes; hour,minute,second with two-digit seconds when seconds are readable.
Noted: 3,52
